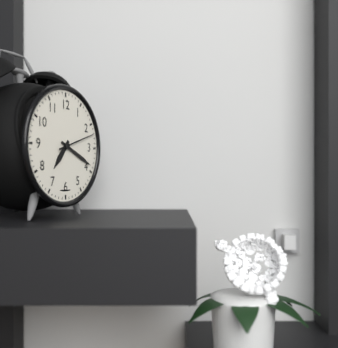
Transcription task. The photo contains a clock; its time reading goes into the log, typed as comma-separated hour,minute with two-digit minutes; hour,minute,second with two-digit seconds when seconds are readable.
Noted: 7,19
